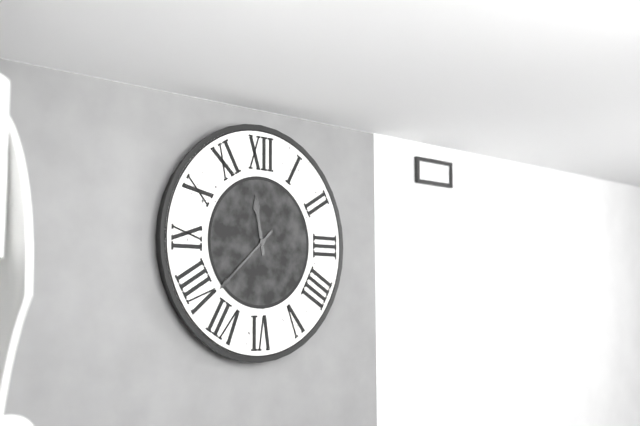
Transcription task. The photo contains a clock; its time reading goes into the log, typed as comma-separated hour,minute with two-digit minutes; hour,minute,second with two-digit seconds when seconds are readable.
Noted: 11,38
